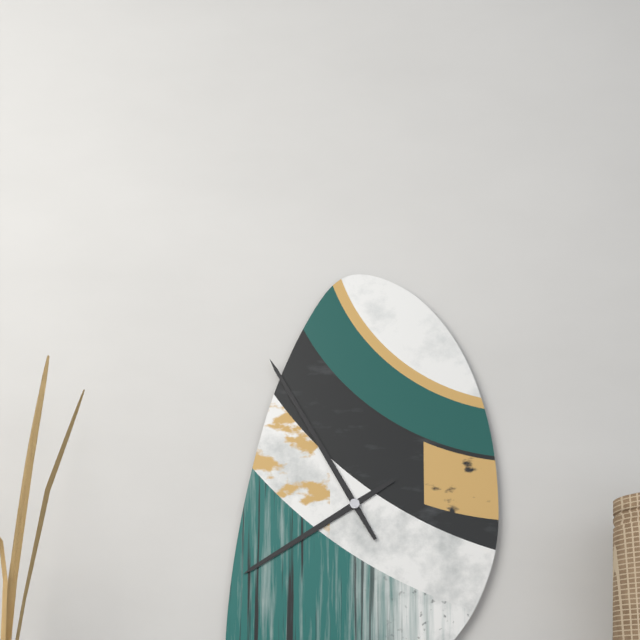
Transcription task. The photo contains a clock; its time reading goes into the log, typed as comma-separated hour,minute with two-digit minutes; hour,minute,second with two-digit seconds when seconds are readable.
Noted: 7,55
